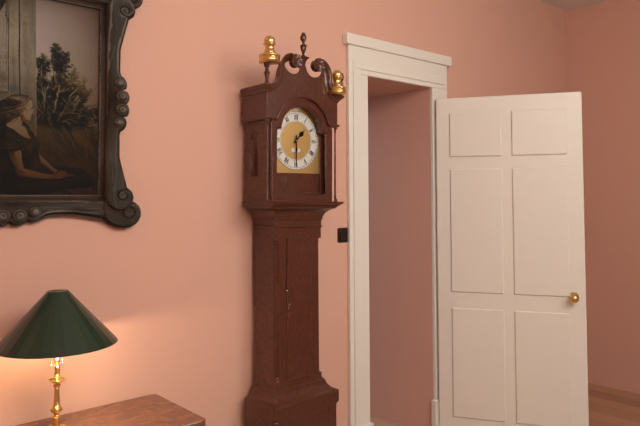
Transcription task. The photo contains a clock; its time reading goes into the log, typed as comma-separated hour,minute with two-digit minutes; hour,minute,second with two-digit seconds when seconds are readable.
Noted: 1,30
